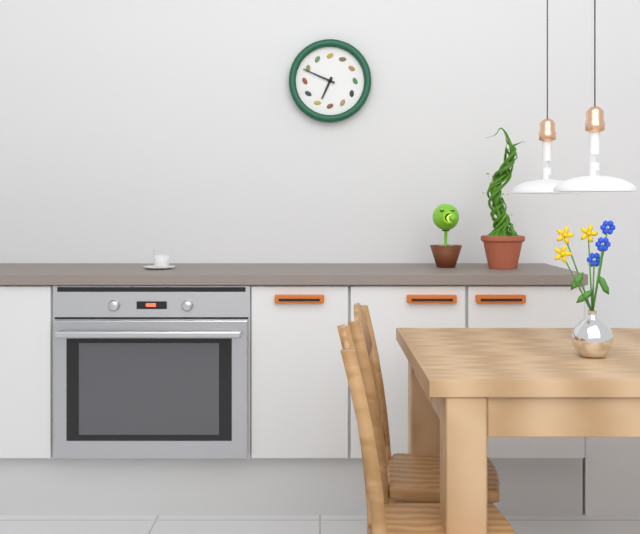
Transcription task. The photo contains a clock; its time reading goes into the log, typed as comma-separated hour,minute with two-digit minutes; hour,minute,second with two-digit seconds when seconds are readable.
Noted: 6,49
